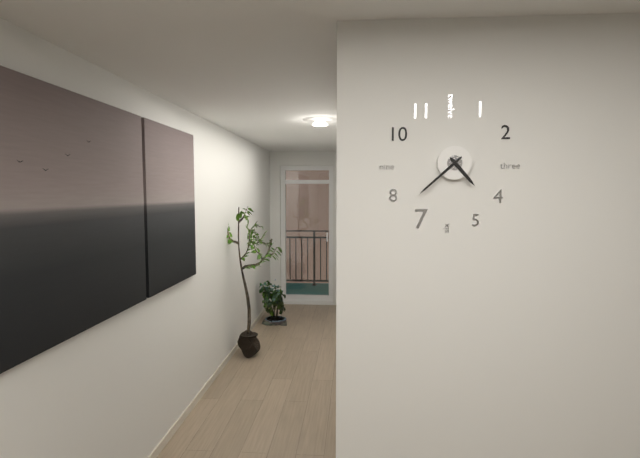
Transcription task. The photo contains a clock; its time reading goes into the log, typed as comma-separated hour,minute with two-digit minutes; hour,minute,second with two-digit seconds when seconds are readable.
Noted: 4,38
